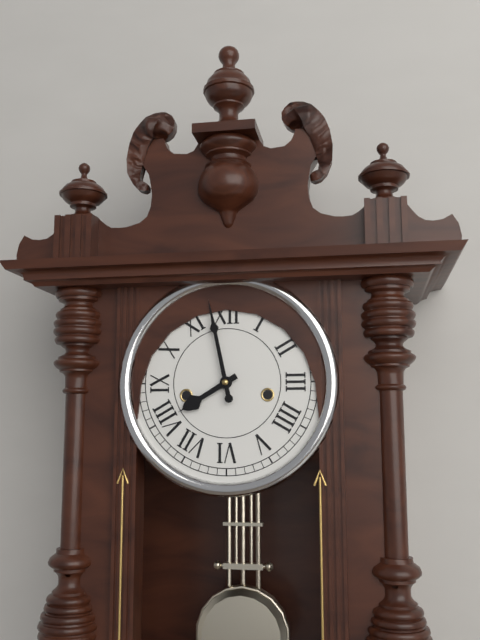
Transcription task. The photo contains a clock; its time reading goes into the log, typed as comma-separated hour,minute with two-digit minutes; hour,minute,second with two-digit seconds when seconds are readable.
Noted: 7,58
